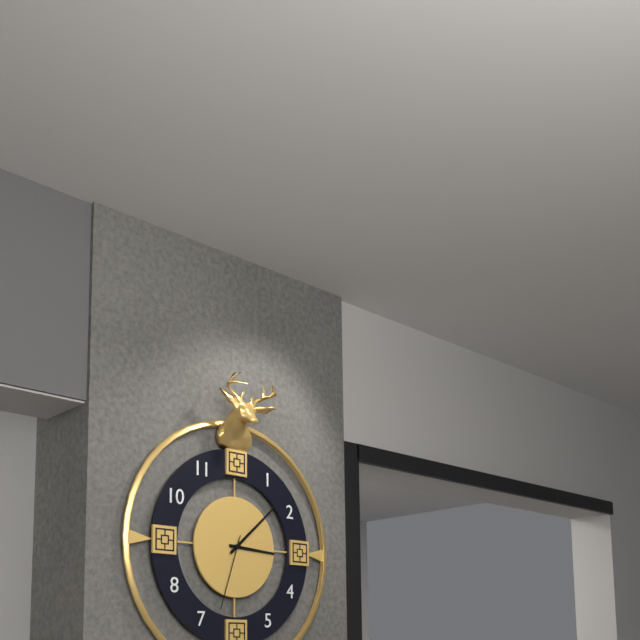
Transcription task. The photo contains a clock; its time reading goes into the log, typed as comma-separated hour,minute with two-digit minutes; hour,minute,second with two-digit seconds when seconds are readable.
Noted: 3,08,33
